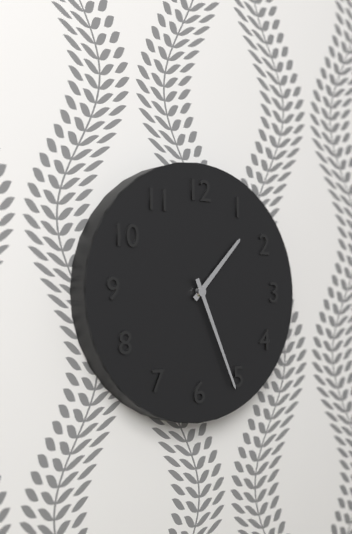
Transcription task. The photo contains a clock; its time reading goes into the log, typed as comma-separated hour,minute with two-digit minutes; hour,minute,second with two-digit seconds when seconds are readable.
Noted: 1,26
